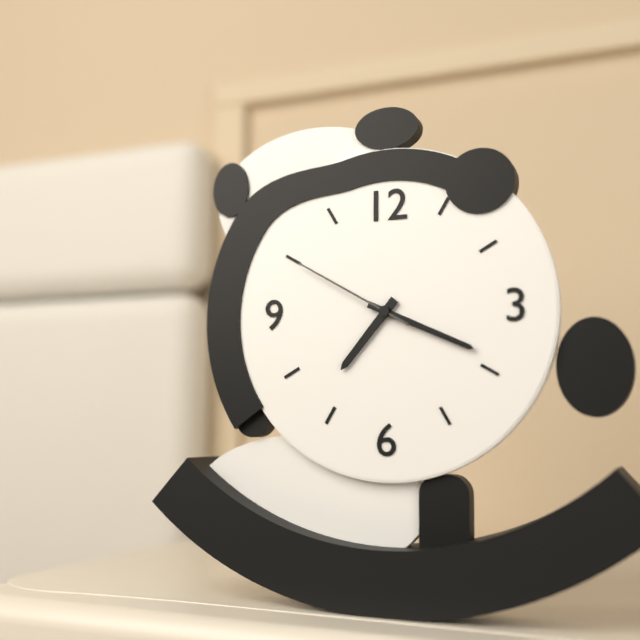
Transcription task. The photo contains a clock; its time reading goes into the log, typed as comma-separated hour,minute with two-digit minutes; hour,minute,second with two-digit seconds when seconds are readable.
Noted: 7,19,50
